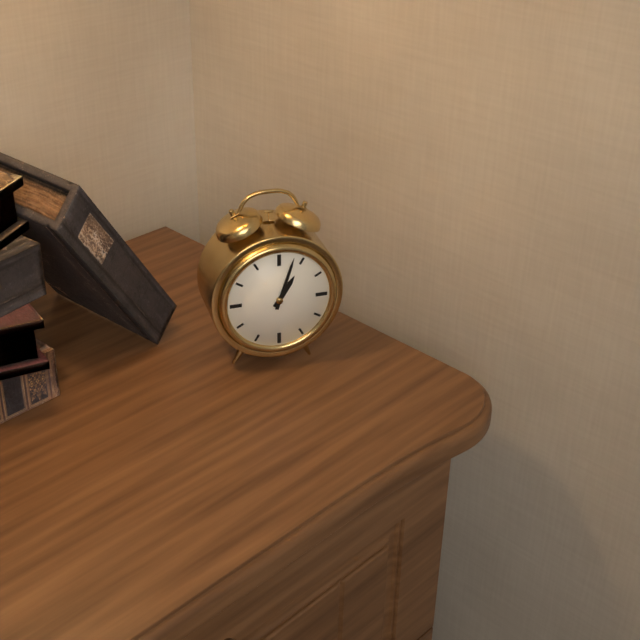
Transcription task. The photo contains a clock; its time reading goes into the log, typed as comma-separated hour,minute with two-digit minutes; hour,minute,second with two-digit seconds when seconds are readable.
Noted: 1,03
